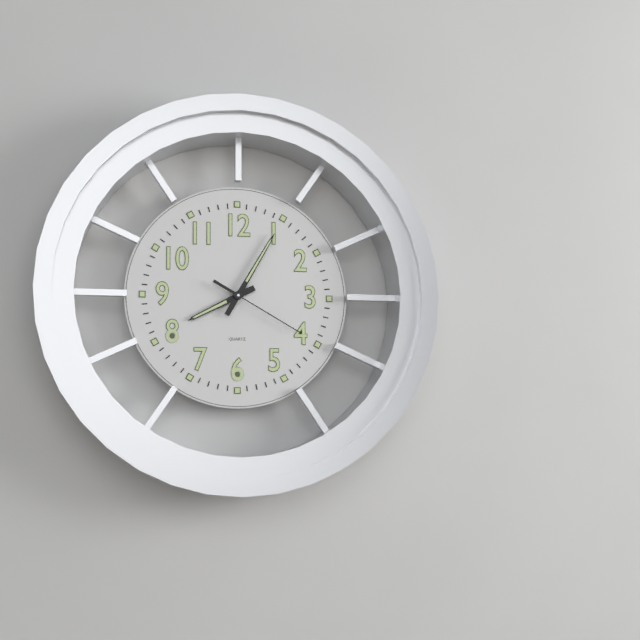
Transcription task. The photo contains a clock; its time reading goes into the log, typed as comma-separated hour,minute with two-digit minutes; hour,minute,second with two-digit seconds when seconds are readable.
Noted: 8,05,20
